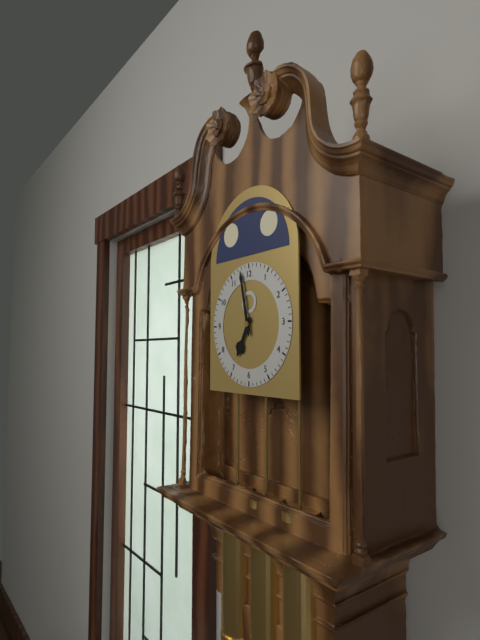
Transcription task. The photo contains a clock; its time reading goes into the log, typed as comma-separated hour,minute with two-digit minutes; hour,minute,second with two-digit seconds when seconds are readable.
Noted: 6,58
